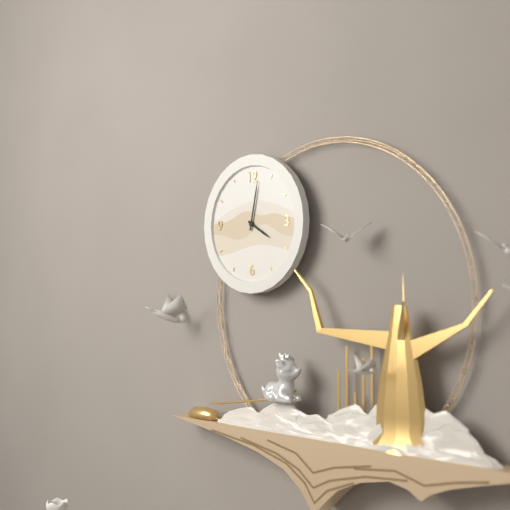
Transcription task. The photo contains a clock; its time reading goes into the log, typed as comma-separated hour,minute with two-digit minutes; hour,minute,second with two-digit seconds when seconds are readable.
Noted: 4,02
